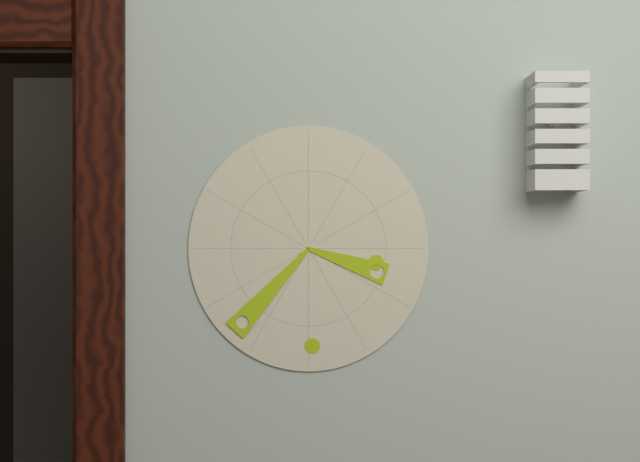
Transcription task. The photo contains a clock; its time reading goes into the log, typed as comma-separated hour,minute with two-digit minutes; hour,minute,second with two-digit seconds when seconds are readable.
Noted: 3,37
